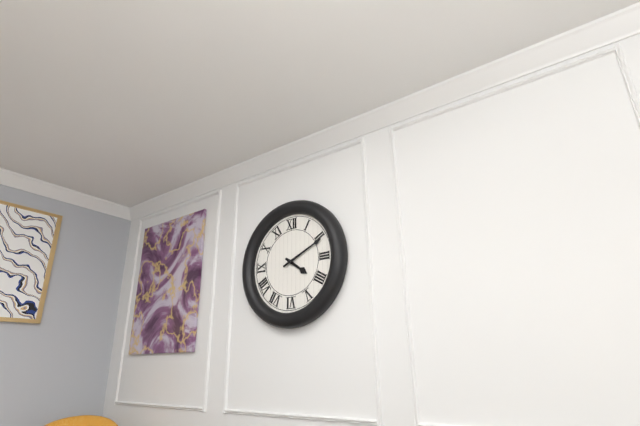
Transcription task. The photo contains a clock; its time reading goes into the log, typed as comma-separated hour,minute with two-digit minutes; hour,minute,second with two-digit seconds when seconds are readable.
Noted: 4,11
